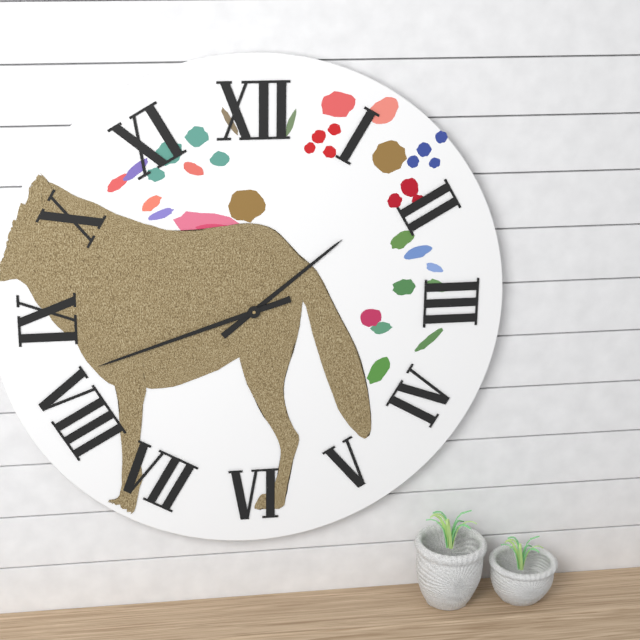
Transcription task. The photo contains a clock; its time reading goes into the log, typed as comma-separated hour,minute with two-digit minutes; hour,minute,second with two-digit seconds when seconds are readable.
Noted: 1,42
